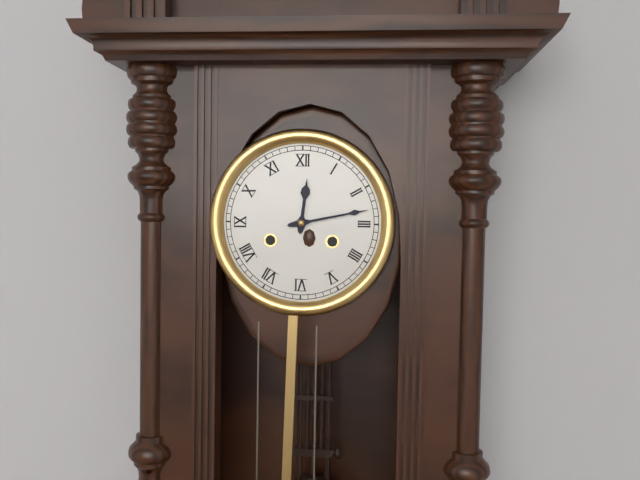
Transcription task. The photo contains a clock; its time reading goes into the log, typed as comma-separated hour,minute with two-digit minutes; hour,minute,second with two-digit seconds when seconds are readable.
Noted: 12,13
